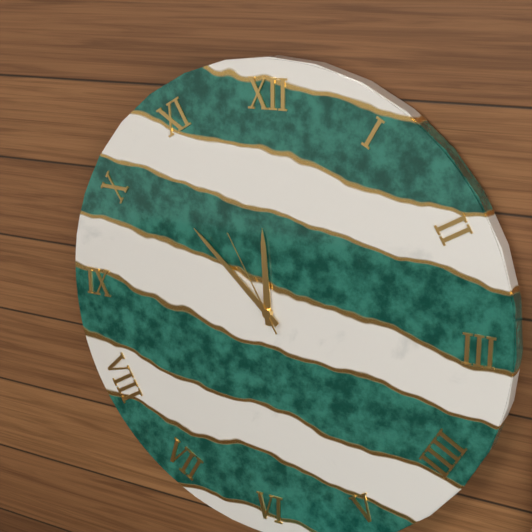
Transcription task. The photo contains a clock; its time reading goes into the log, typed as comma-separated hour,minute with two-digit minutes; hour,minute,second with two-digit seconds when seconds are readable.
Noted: 11,52,55
